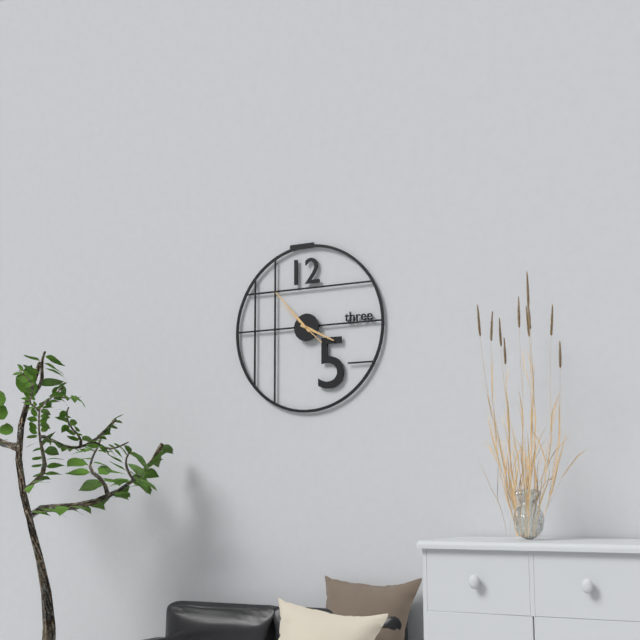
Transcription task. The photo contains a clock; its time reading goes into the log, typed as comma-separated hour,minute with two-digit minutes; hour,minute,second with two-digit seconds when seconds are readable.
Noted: 3,53
